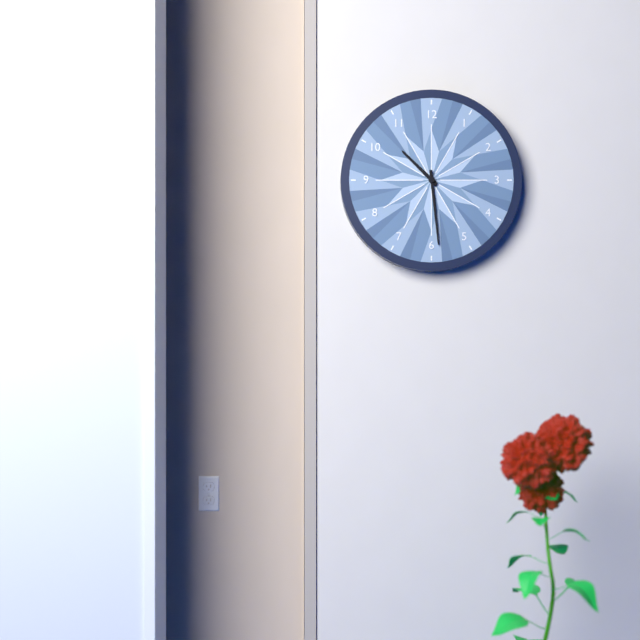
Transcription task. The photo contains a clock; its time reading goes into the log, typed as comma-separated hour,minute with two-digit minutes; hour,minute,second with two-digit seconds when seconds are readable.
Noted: 10,29
